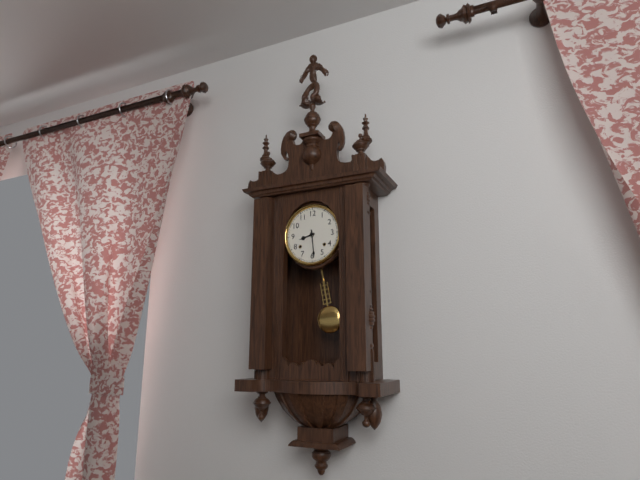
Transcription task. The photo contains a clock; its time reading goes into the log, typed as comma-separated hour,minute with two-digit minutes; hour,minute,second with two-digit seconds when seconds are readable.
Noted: 8,29
